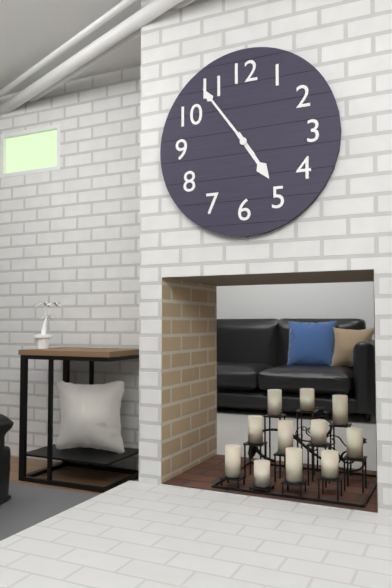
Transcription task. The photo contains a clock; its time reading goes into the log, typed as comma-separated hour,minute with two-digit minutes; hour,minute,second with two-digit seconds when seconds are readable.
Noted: 4,54
